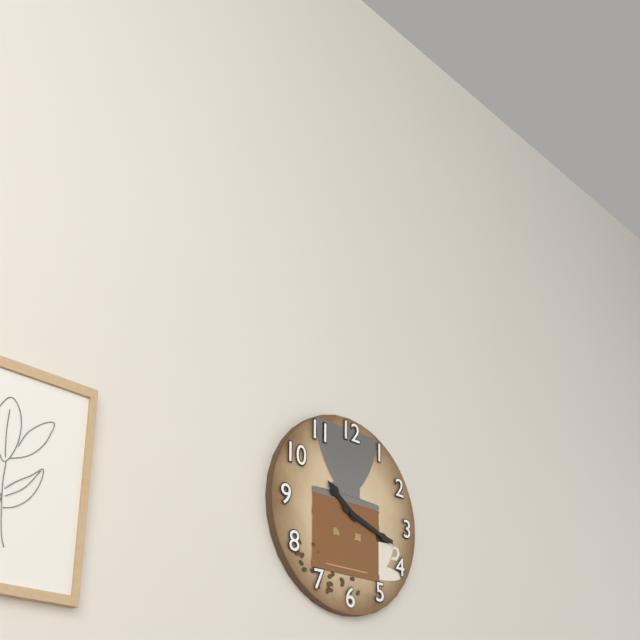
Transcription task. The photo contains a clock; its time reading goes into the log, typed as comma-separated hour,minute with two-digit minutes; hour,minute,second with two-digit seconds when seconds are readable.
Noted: 10,18
